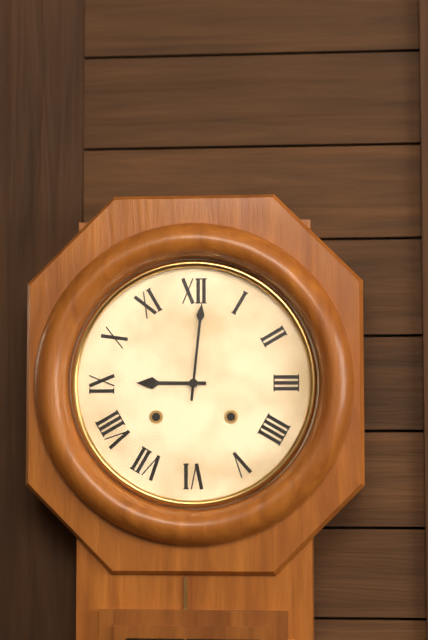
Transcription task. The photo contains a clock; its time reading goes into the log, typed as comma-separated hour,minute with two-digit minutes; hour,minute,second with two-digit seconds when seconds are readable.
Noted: 9,01
